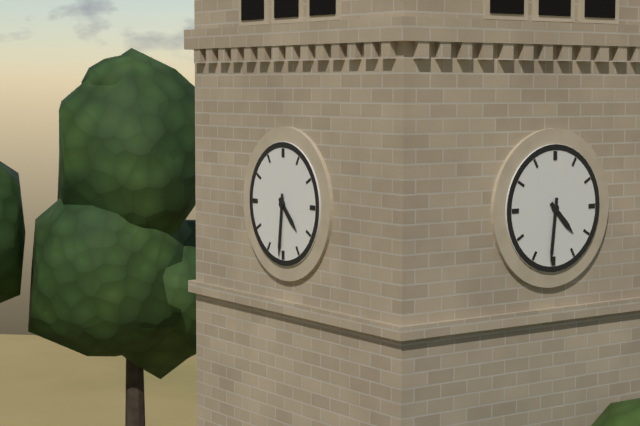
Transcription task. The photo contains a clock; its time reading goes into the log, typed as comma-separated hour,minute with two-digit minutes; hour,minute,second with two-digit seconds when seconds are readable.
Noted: 4,31
